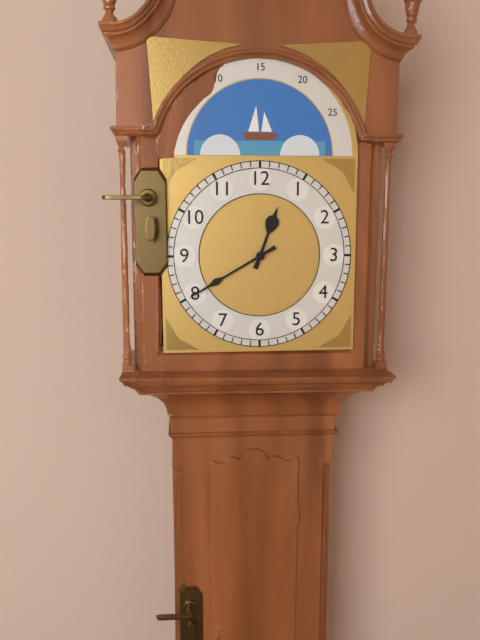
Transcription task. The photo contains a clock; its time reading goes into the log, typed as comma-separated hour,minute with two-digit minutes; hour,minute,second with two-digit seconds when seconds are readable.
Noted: 12,40
